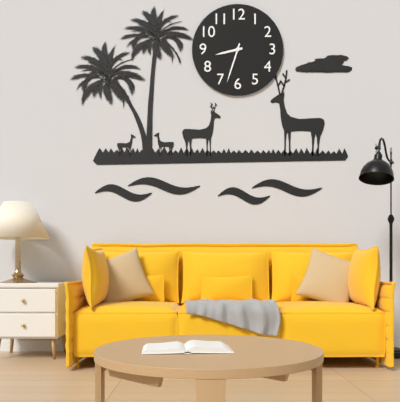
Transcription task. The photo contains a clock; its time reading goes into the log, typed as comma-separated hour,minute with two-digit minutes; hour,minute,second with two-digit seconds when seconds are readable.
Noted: 8,33
